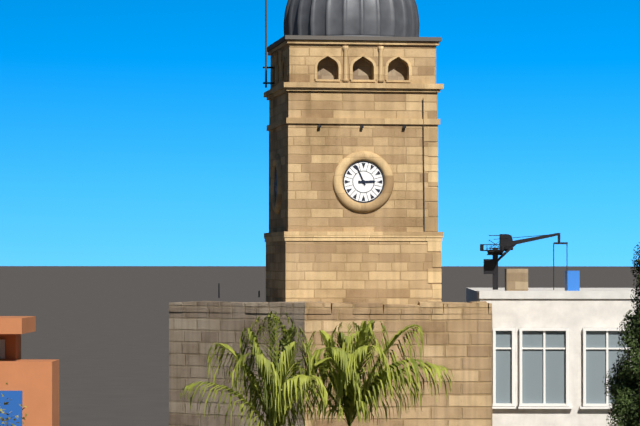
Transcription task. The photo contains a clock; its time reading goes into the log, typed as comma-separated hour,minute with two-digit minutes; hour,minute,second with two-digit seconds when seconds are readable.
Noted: 2,56
